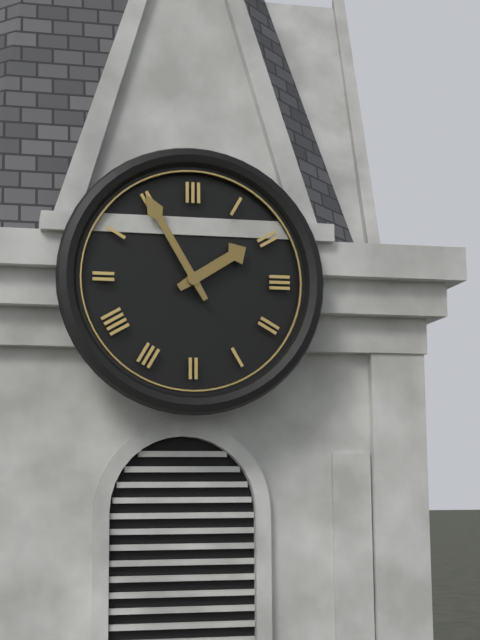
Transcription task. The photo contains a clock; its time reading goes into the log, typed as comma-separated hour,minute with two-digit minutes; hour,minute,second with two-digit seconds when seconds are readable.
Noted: 1,55
